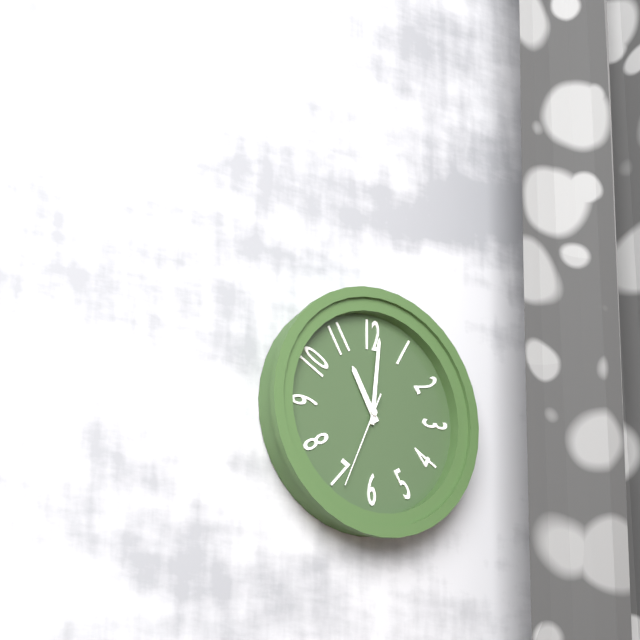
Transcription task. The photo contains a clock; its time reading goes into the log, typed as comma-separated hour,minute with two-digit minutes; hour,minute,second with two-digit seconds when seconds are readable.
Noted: 11,01,34
